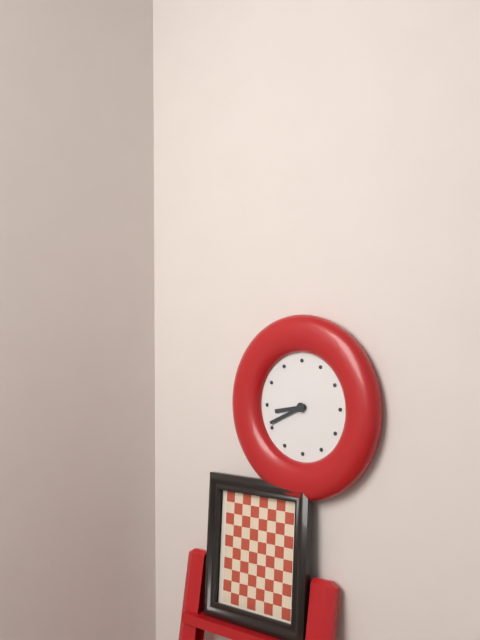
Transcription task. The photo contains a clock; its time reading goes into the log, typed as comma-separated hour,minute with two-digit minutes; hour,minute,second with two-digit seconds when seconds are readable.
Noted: 8,41
